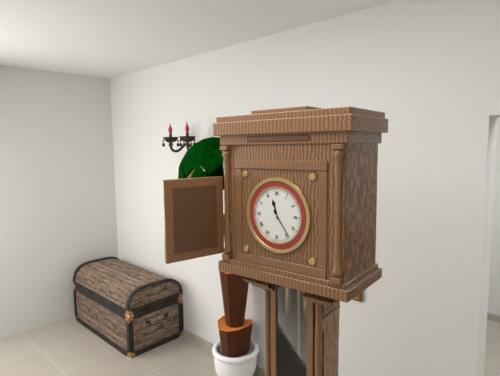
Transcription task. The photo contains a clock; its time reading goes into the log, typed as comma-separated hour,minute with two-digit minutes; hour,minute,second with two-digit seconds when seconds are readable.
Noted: 11,24
